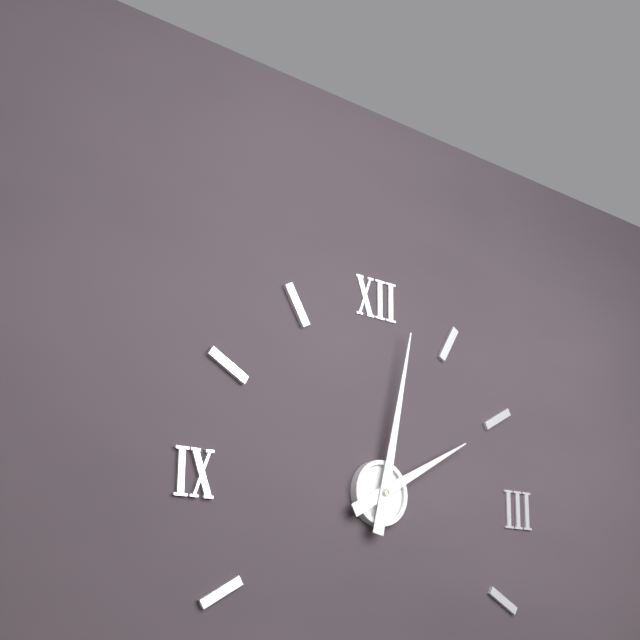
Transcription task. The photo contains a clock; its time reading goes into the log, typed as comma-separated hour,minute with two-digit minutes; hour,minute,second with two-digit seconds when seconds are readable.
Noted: 2,02
